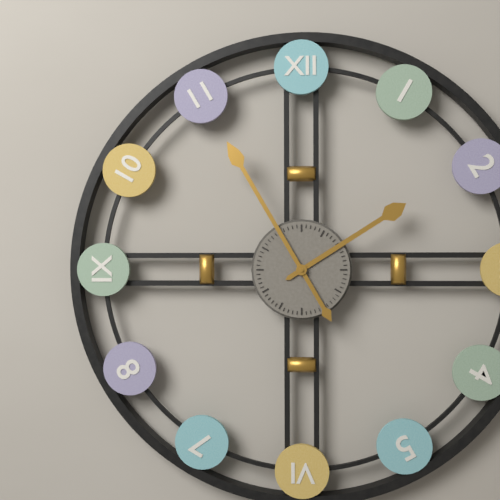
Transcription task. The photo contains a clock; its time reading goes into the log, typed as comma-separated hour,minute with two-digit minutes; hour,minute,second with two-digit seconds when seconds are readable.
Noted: 1,55
